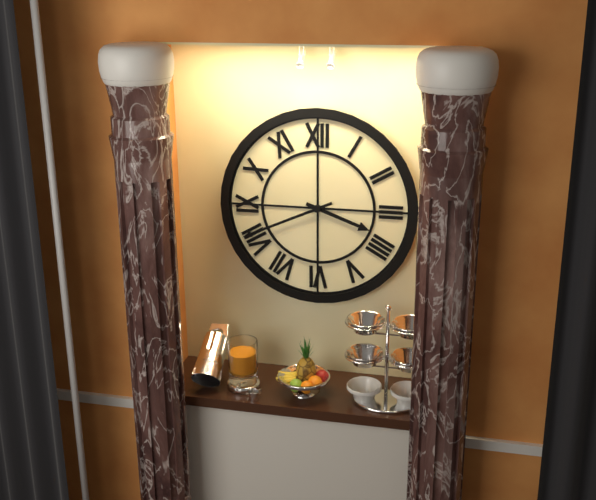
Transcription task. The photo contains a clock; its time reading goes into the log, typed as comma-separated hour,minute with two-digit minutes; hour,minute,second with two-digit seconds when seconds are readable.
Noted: 3,41
